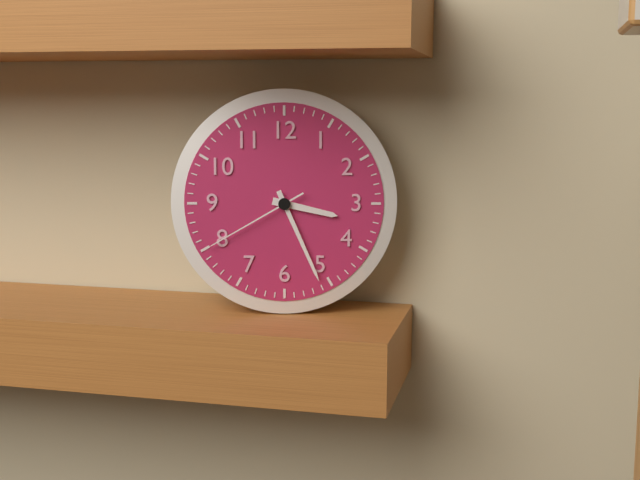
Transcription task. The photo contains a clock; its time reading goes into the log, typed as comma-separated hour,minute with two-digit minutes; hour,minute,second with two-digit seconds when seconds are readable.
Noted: 3,26,40
